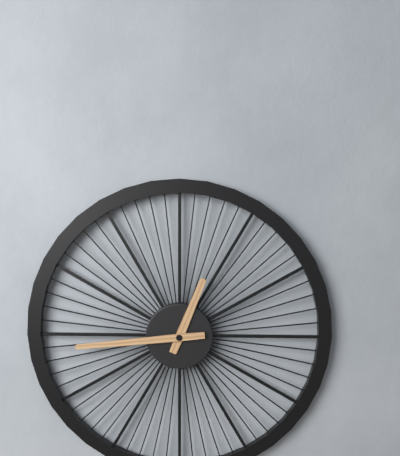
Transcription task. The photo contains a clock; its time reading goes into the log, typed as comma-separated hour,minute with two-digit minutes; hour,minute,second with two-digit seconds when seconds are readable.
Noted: 12,44
